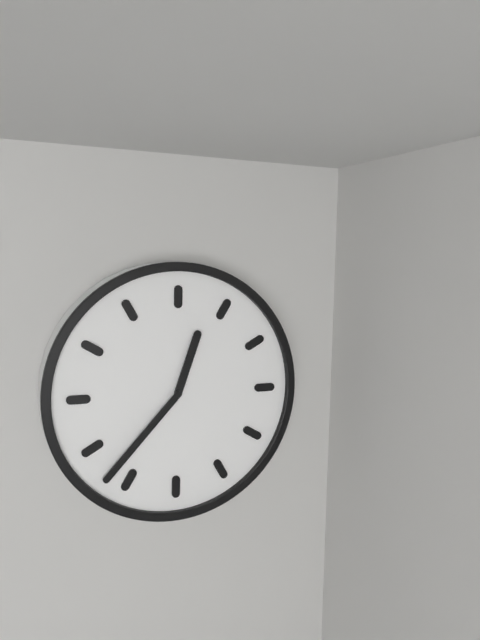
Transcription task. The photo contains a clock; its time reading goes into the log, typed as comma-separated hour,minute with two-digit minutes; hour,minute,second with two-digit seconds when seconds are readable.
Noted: 12,37
